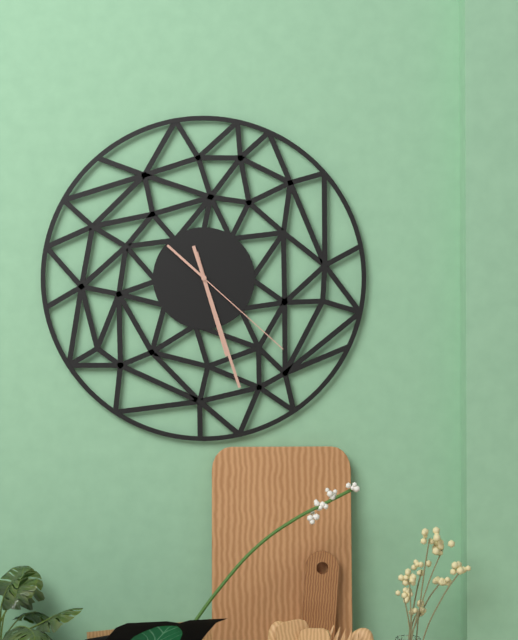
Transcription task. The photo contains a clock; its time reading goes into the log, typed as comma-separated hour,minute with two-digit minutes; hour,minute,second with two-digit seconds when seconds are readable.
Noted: 5,27,22
